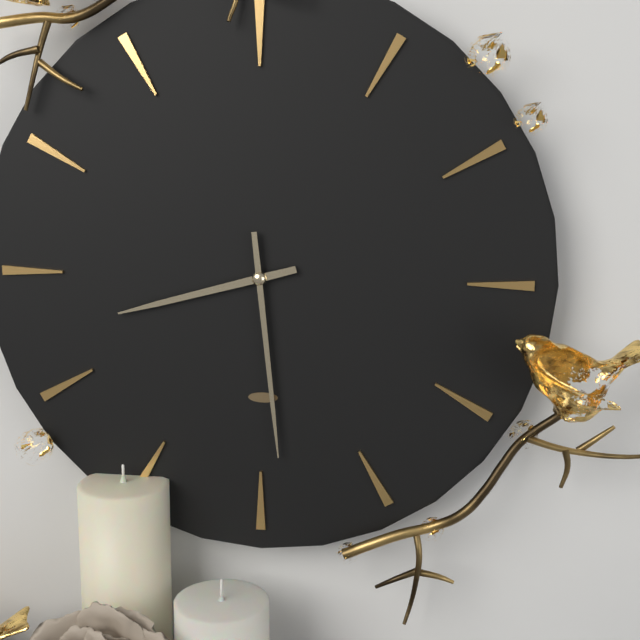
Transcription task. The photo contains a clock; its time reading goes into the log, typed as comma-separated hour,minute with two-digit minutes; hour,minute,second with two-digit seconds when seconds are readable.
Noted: 8,29
